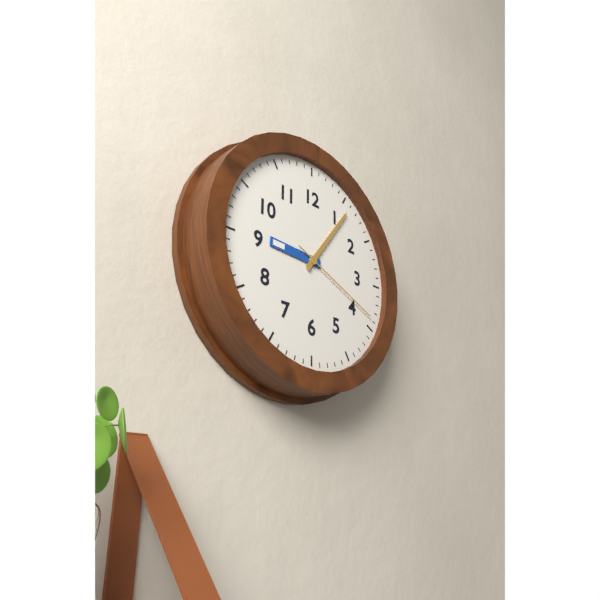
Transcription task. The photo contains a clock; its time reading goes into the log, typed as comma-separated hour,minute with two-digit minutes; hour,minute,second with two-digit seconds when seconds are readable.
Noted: 9,06,19
